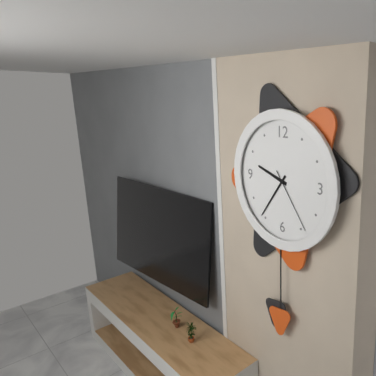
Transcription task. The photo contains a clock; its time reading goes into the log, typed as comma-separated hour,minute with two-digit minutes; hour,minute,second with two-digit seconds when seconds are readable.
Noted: 9,36,24
